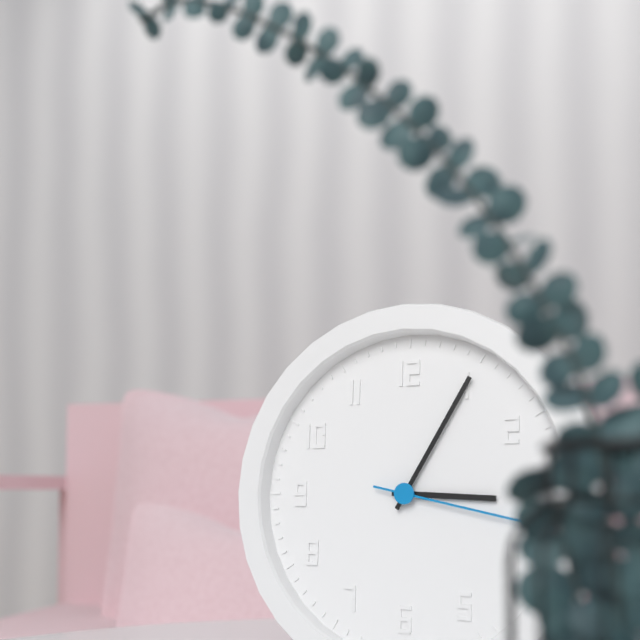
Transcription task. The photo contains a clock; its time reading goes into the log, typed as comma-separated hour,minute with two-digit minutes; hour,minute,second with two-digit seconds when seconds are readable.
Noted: 3,05,17
